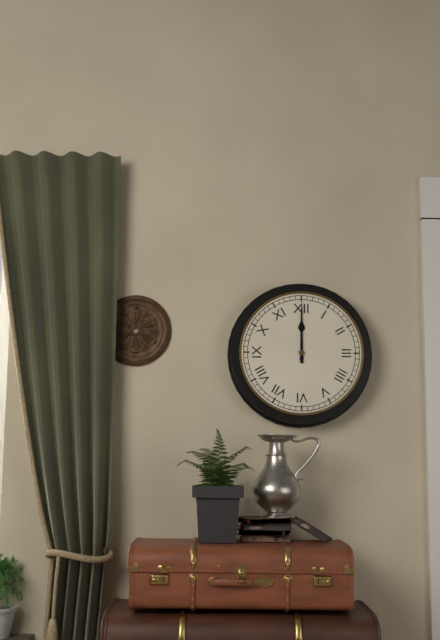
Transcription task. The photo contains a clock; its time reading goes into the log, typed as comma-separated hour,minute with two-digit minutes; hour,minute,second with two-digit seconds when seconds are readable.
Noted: 12,00
